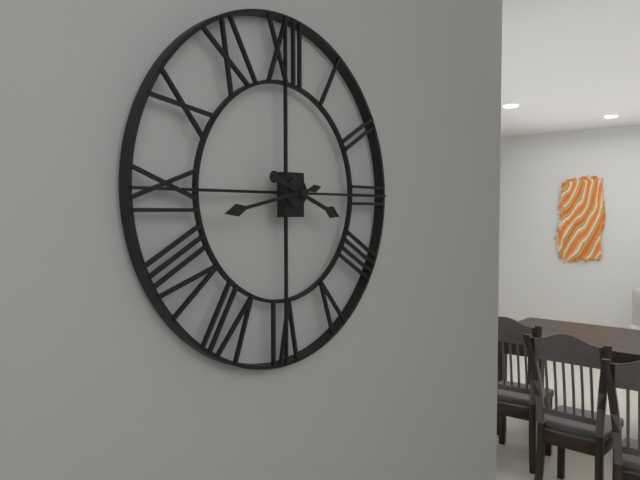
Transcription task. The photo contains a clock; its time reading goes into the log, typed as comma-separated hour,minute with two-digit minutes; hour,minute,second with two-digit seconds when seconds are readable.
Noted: 3,43
